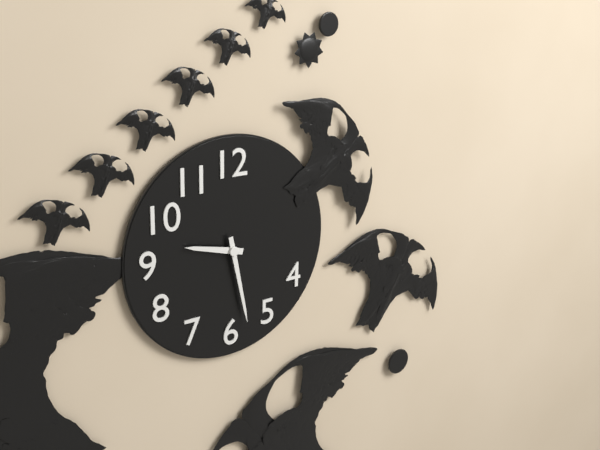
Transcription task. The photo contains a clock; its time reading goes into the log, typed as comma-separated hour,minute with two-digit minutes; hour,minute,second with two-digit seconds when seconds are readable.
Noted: 9,28
